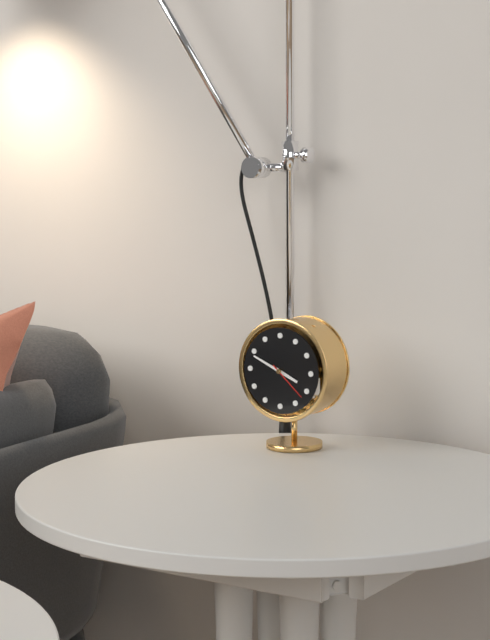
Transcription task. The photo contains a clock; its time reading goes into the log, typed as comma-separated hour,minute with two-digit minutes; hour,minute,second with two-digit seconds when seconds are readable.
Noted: 3,49
